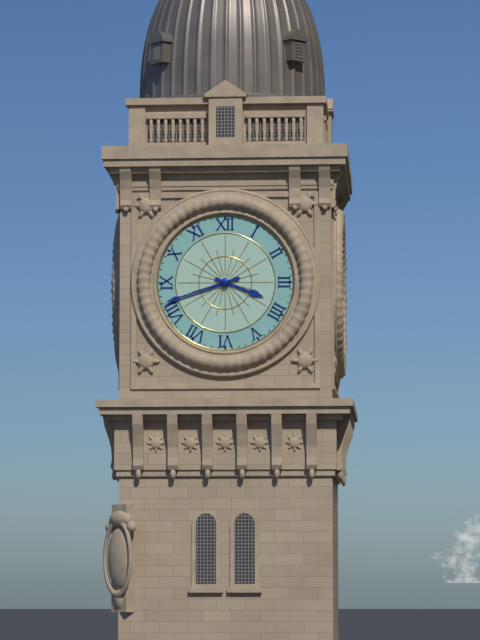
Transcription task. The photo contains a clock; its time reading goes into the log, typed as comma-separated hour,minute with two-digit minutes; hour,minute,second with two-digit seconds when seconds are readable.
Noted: 3,42
